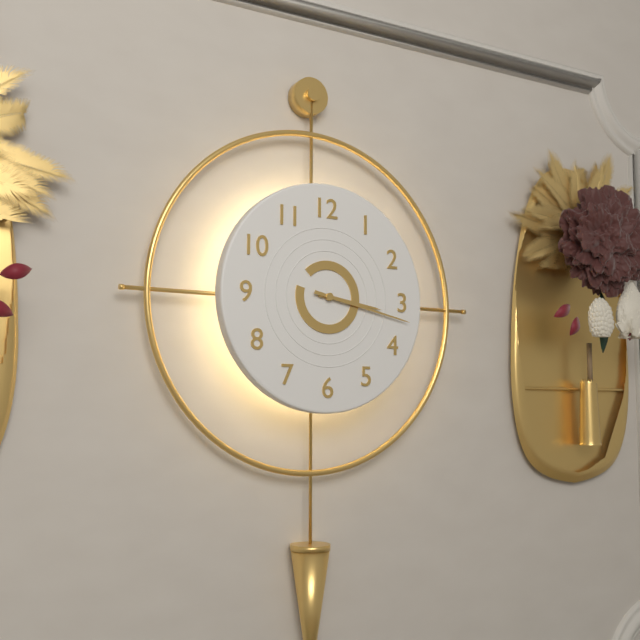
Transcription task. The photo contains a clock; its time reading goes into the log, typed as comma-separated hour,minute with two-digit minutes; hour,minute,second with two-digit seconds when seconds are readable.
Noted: 3,17
